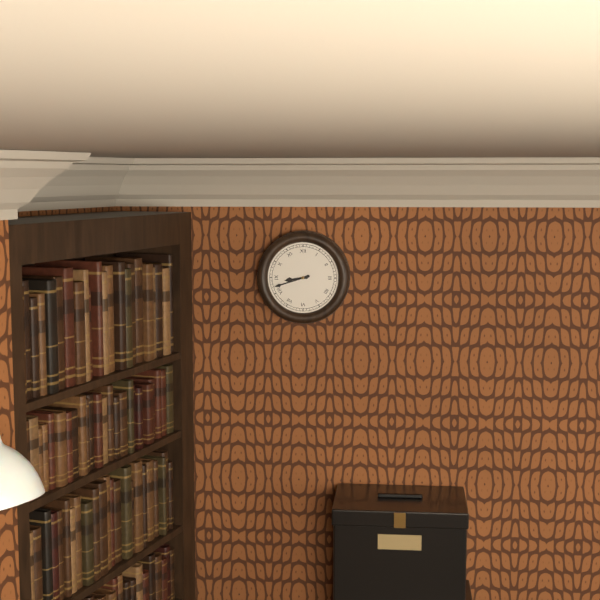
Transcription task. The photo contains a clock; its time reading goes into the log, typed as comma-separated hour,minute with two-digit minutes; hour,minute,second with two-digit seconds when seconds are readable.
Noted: 8,42
